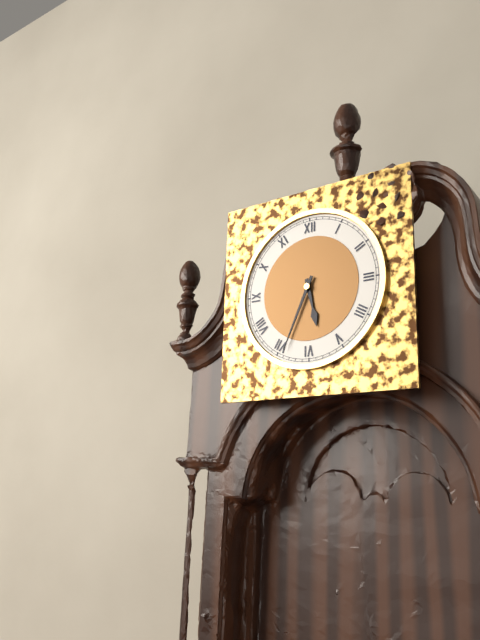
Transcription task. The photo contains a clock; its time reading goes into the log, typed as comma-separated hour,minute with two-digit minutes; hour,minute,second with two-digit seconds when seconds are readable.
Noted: 5,34
